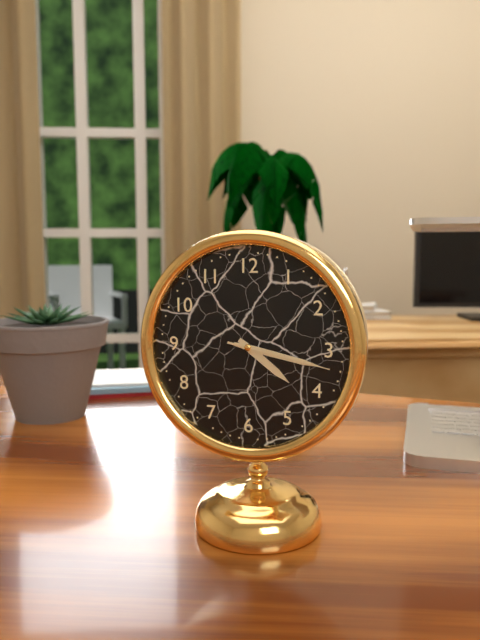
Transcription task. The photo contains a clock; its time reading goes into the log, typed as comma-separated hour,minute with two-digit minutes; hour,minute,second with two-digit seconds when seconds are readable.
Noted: 4,17,17
